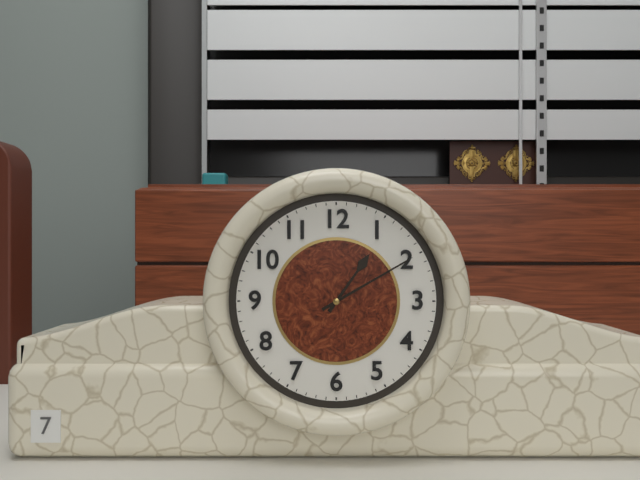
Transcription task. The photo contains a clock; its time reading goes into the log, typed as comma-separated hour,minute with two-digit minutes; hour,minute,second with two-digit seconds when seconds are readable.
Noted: 1,10
